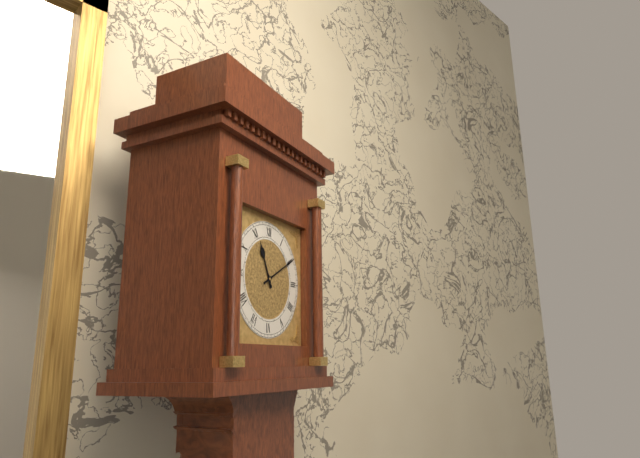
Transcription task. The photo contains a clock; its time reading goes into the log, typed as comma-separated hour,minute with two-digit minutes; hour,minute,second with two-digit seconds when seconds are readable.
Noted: 11,10
